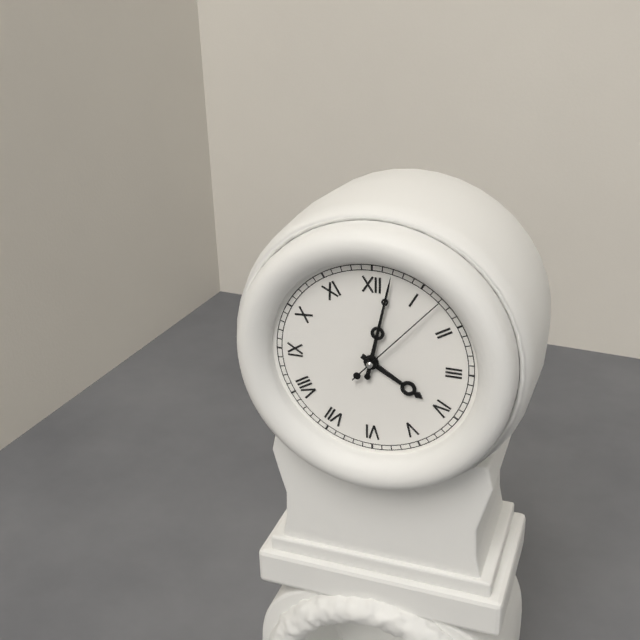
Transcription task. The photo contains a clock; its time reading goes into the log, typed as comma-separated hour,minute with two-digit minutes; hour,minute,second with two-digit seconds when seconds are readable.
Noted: 4,02,07
